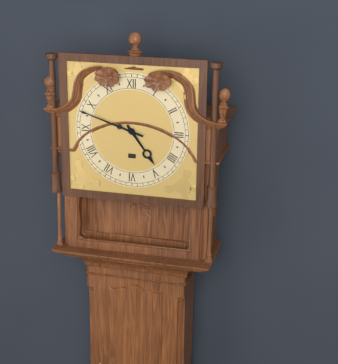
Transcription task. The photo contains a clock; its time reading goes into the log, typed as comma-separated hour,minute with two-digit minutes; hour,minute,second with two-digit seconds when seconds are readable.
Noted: 4,48
